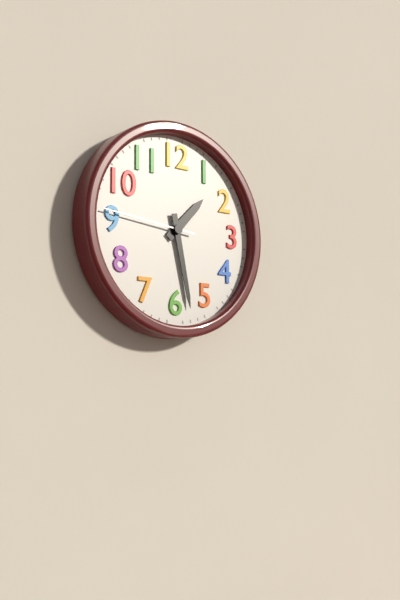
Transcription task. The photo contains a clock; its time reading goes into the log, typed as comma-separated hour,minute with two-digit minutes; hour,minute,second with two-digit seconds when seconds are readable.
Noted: 1,28,46
